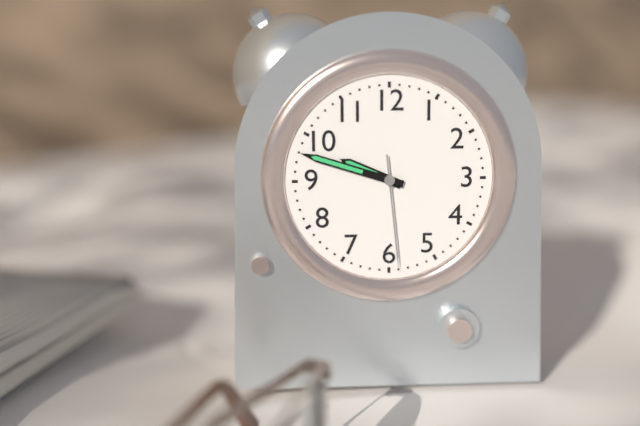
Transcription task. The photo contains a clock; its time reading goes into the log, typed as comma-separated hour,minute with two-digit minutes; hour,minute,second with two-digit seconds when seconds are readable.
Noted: 9,48,29
